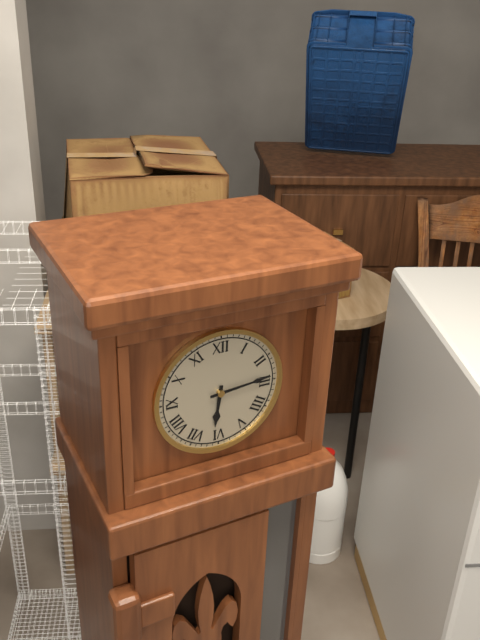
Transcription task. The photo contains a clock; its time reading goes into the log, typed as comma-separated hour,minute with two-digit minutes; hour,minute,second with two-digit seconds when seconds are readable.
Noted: 6,14
